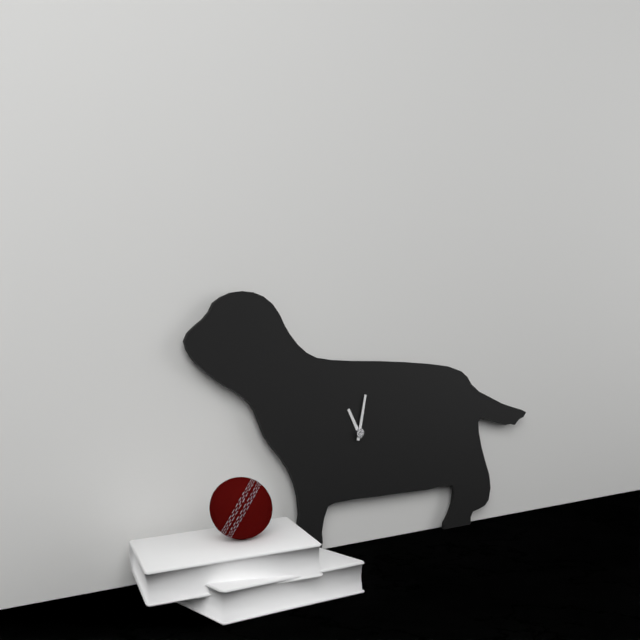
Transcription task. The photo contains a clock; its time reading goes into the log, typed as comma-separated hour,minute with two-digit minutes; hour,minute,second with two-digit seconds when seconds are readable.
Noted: 11,02
